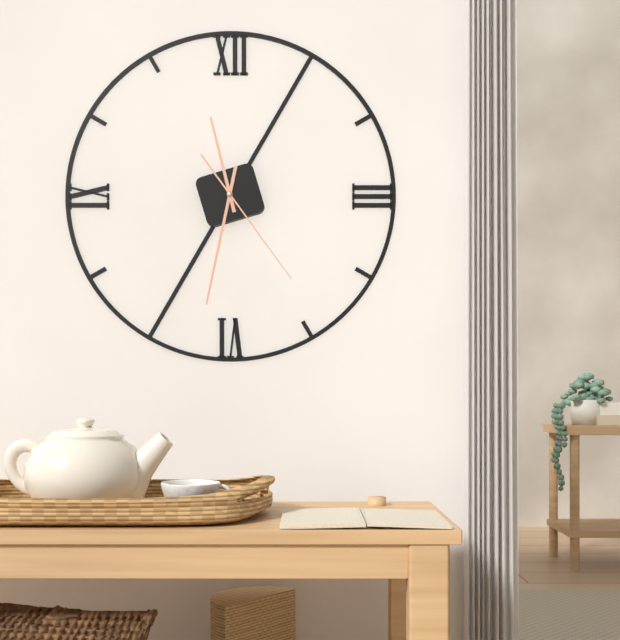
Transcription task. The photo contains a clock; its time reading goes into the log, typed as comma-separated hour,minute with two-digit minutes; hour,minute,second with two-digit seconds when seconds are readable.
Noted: 11,32,24
